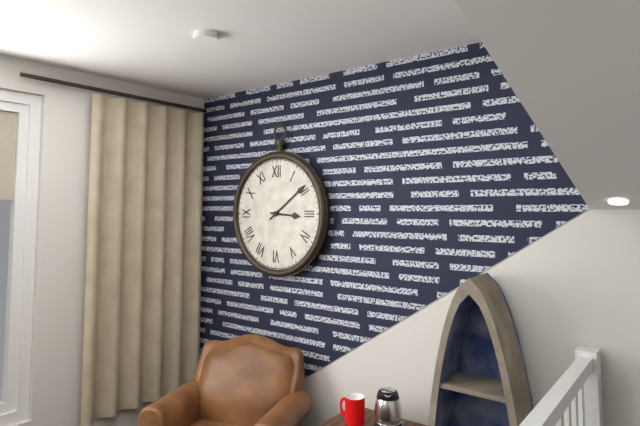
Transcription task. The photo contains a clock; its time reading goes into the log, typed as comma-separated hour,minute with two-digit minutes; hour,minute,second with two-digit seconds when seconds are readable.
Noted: 3,09
